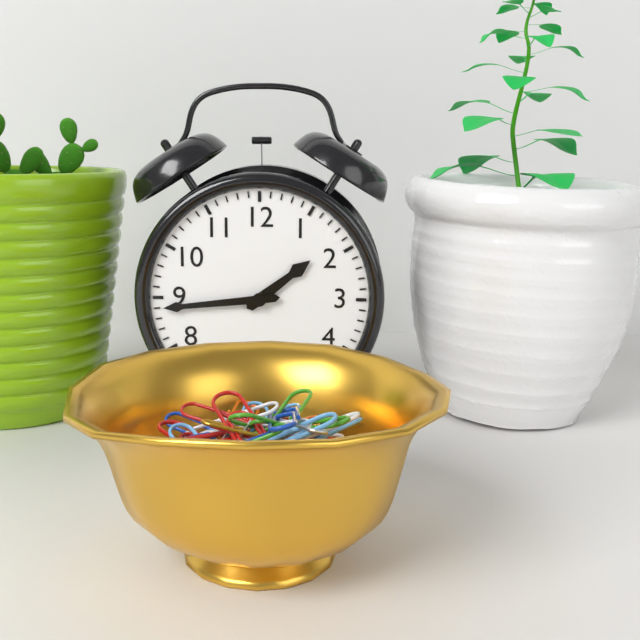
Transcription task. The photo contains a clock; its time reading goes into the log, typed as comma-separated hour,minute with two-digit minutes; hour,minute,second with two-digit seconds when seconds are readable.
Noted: 1,44
